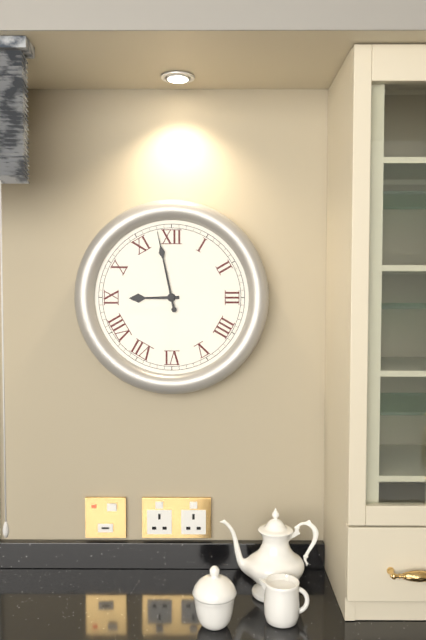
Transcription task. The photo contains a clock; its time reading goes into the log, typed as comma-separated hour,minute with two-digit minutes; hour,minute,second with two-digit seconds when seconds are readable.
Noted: 8,58
